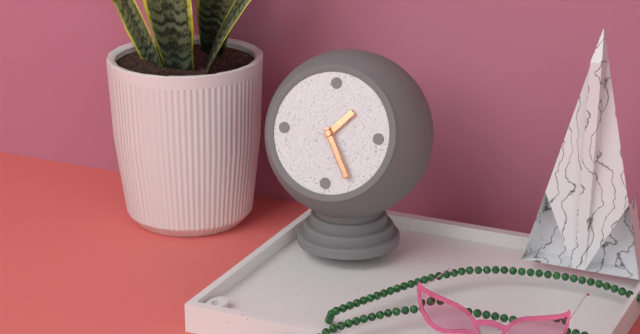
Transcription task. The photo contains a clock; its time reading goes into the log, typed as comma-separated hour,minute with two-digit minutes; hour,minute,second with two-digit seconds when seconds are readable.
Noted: 1,25
